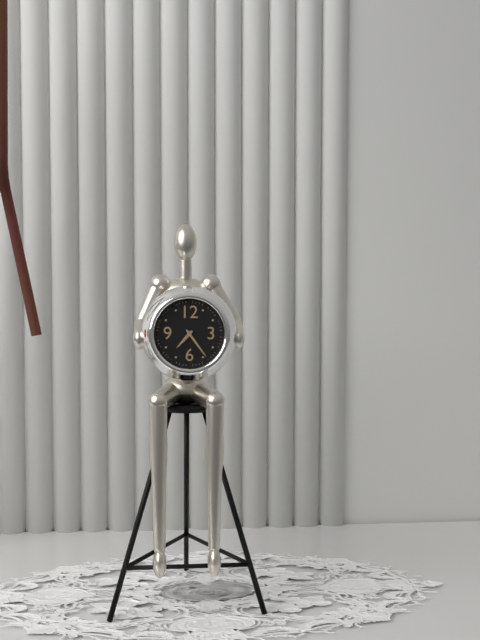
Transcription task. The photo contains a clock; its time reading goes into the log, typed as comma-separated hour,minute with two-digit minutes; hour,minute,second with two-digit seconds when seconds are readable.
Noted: 7,24
